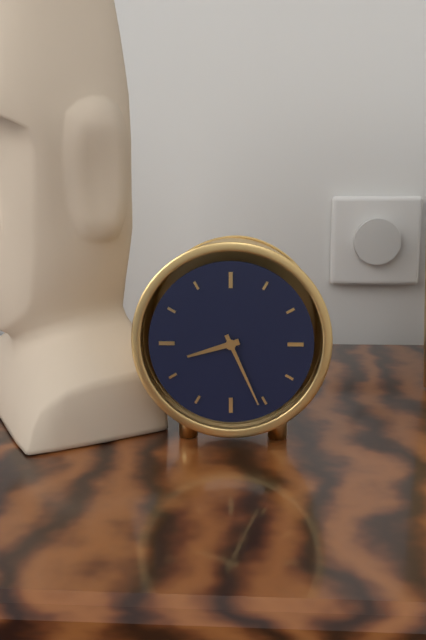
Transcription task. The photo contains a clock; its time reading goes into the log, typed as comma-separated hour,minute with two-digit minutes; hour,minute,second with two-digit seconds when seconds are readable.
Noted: 8,26
